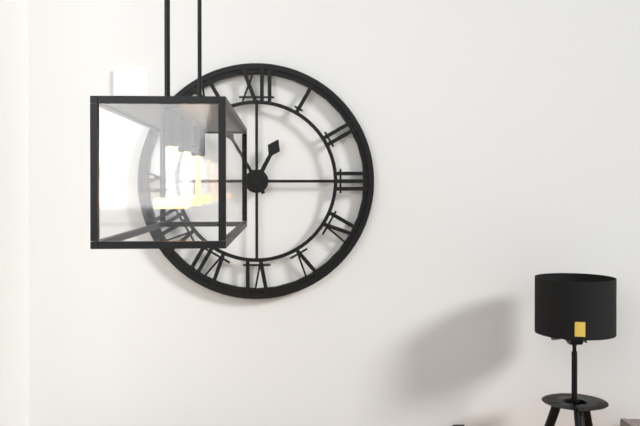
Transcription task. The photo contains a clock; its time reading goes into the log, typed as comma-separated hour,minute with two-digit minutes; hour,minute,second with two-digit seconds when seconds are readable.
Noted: 12,55
